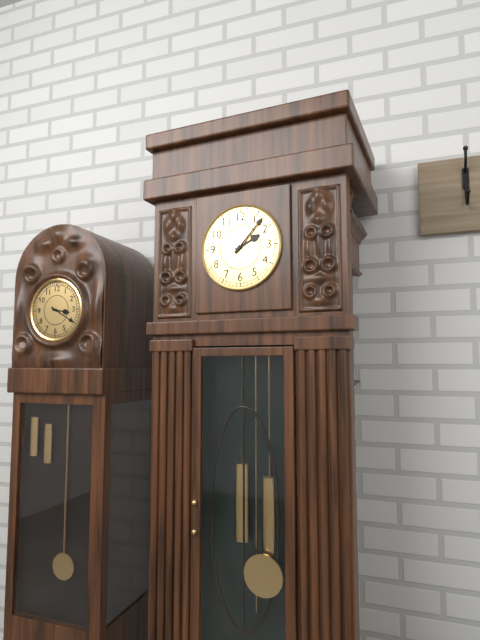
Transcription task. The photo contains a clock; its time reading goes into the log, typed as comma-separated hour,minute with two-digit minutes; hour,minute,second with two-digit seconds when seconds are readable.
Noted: 2,07
